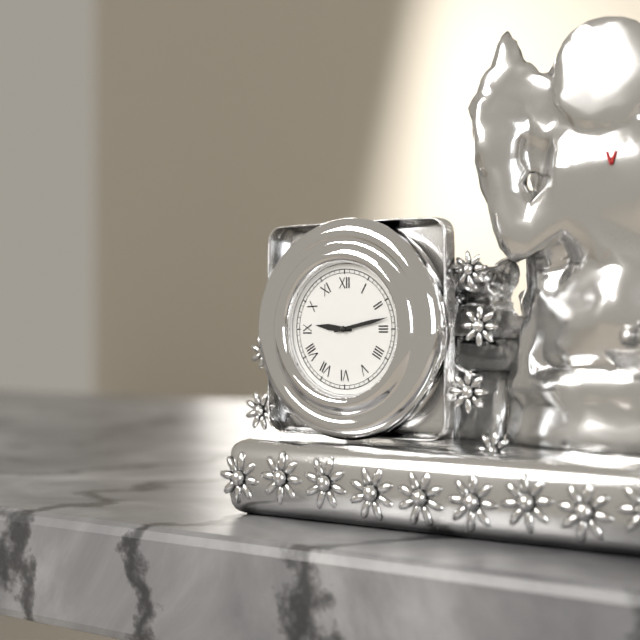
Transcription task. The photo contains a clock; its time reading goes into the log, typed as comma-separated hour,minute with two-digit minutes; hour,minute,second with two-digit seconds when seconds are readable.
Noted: 9,13
